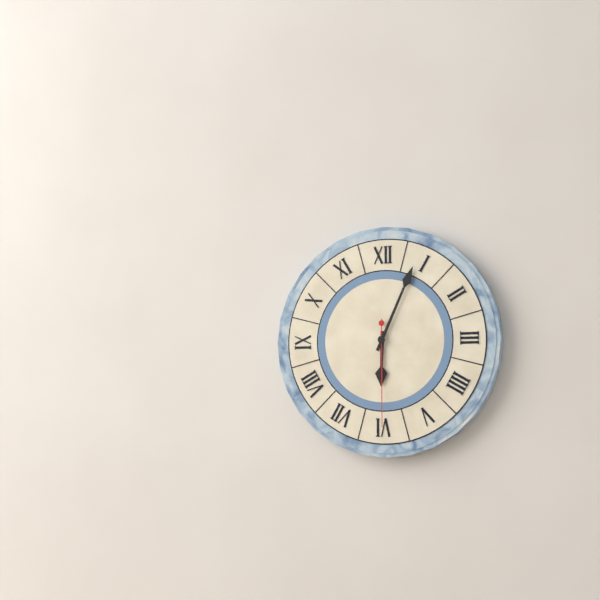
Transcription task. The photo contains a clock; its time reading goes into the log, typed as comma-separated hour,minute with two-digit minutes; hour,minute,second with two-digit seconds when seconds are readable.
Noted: 6,04,30
